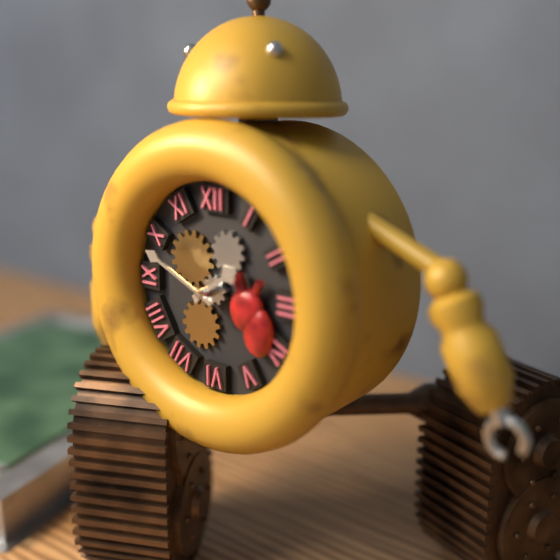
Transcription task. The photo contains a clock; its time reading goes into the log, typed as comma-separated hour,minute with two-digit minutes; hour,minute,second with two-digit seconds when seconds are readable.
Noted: 1,49
